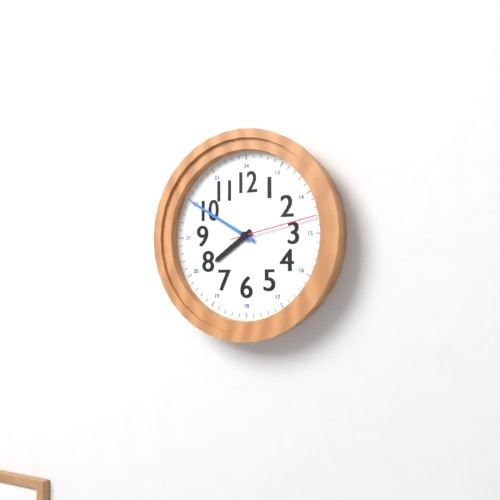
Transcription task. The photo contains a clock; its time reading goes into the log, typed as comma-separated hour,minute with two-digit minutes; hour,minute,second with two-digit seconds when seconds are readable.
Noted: 7,50,13
